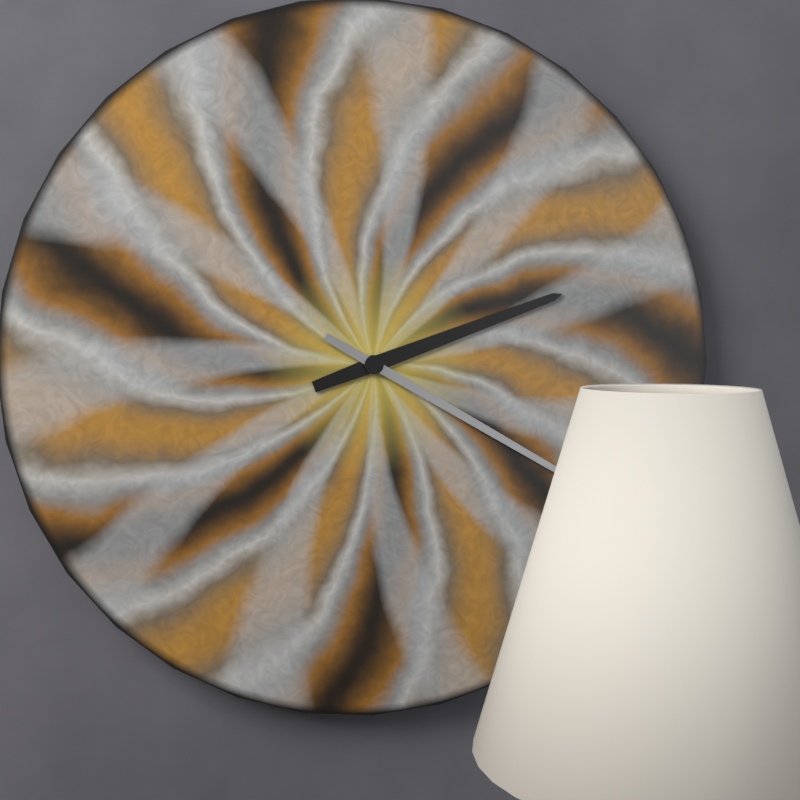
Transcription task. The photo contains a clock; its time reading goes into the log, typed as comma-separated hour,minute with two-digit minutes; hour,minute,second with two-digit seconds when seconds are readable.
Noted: 2,20
